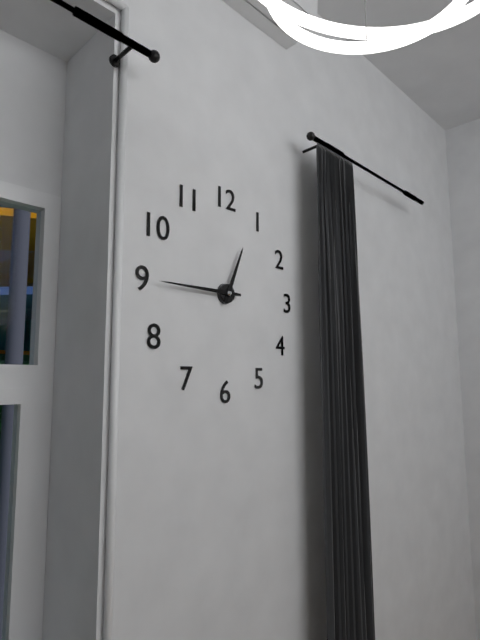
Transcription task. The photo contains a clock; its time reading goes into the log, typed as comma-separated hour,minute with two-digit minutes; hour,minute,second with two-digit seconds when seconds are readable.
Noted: 12,45
